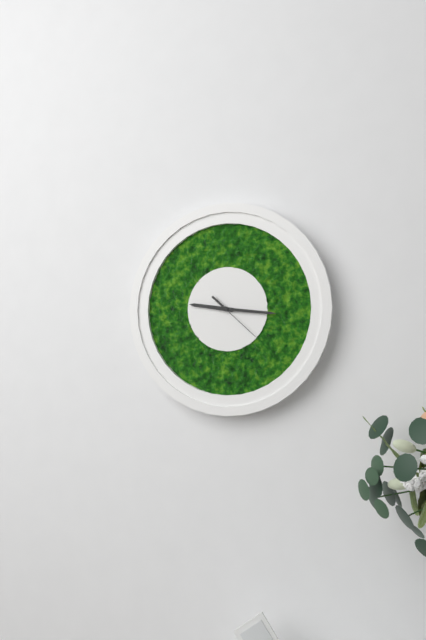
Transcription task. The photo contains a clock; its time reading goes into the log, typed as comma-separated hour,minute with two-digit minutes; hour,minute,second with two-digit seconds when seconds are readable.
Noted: 9,16,22
